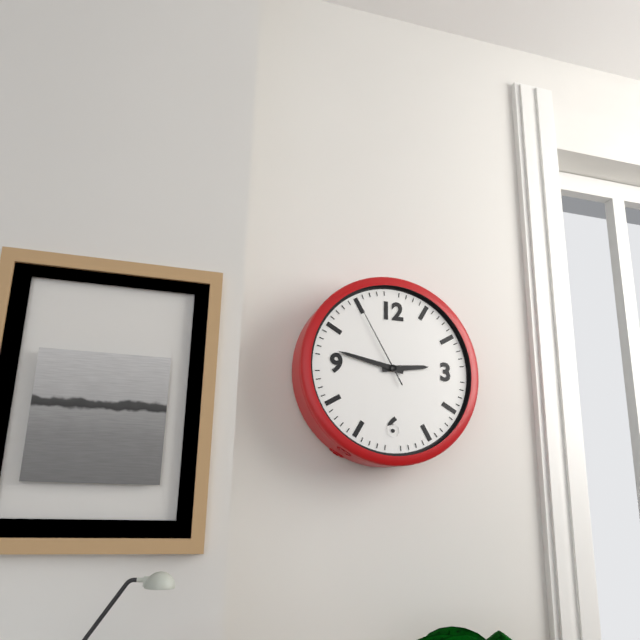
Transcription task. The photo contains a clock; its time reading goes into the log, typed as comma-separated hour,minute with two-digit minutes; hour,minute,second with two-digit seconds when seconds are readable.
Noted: 2,47,55
